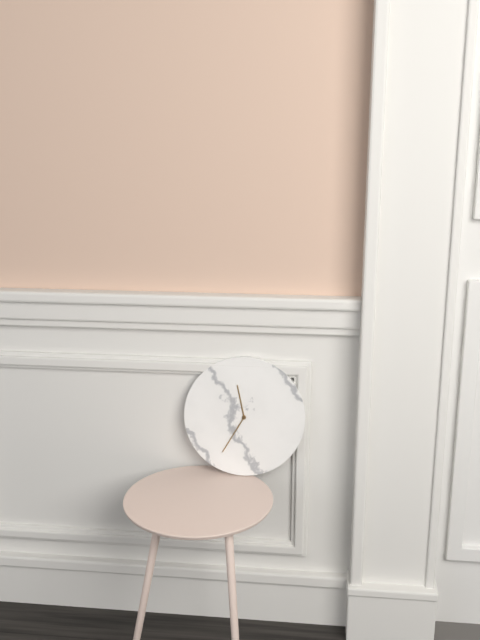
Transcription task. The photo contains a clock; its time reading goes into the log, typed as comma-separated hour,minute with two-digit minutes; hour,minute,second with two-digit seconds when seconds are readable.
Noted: 11,35
